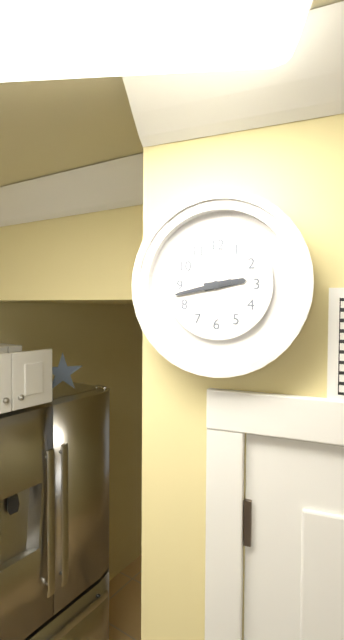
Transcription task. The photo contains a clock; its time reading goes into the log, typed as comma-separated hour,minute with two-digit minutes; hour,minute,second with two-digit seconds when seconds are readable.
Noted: 2,43
